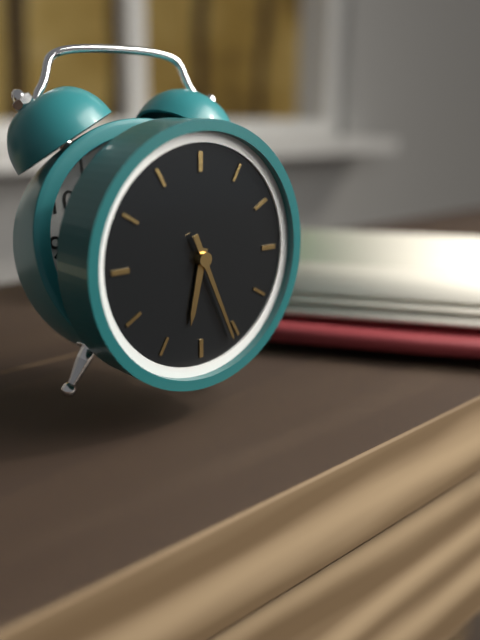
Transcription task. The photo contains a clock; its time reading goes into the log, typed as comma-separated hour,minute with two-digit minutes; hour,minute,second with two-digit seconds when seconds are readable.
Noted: 6,26
